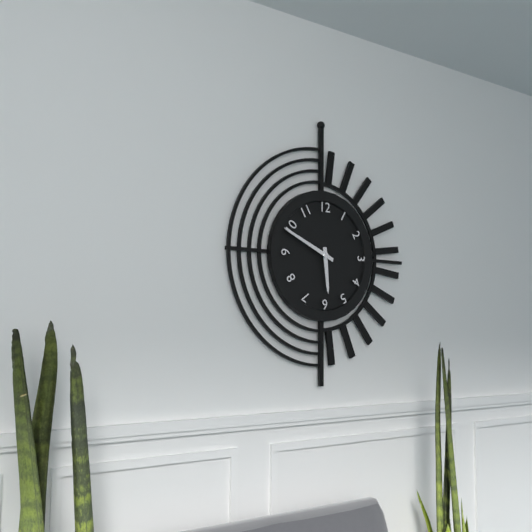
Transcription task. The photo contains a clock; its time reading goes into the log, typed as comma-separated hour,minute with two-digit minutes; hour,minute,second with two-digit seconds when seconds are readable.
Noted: 5,49
